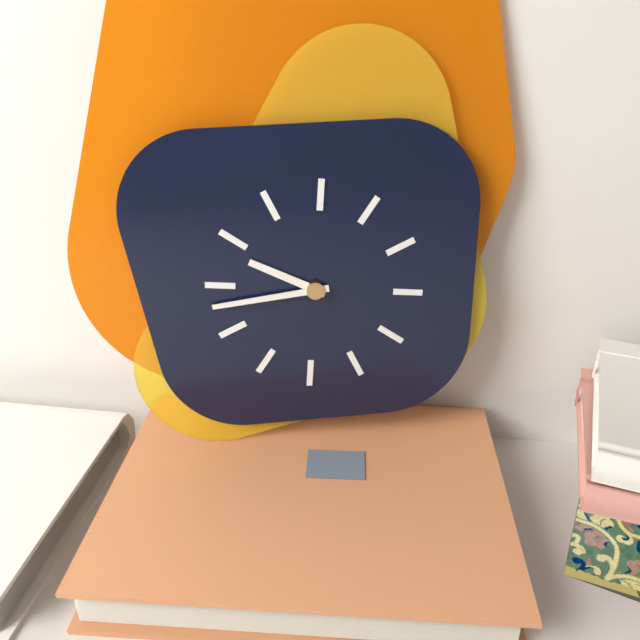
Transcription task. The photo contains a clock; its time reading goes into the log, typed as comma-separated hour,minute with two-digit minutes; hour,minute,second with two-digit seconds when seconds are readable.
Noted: 9,43
